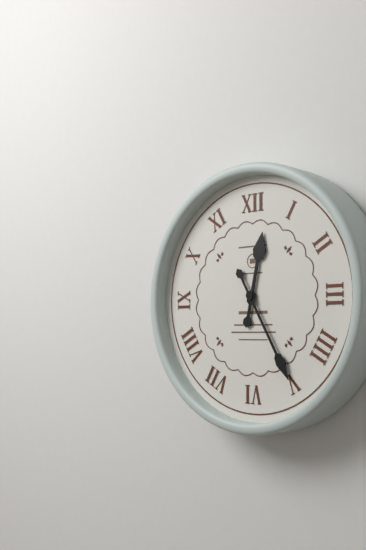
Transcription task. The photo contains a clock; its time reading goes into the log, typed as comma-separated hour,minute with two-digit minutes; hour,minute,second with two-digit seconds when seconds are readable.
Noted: 12,25
